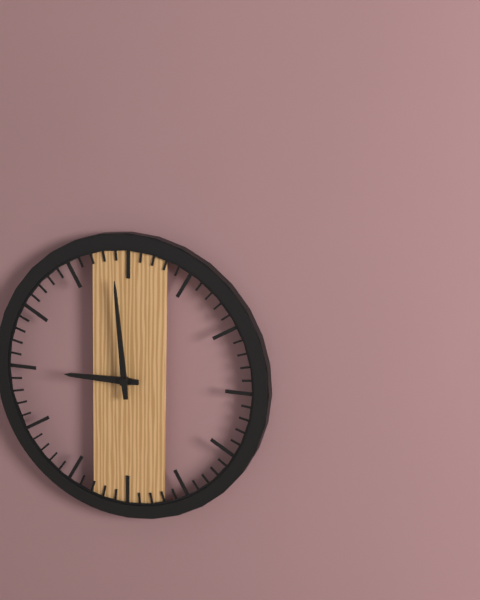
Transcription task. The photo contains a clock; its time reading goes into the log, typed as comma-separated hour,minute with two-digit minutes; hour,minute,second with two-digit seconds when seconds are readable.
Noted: 8,59
